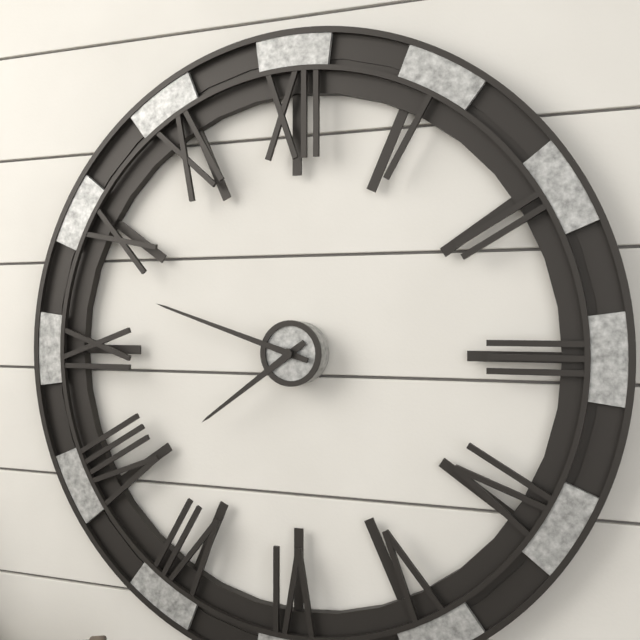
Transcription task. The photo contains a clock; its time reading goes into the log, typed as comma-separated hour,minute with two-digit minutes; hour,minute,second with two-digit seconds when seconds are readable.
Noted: 7,48
